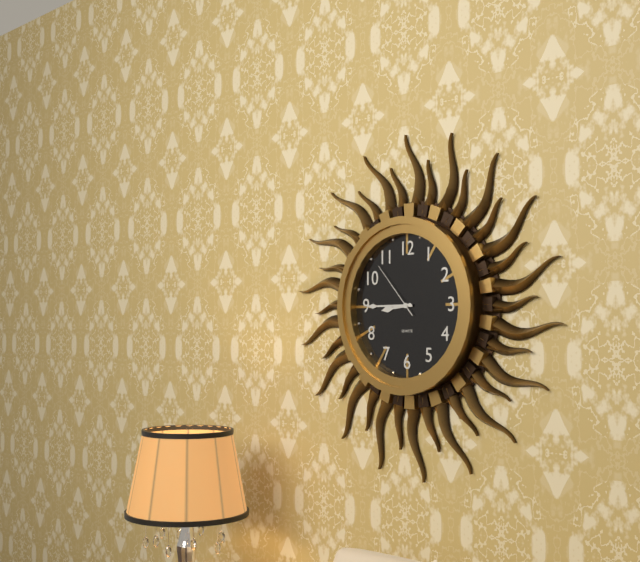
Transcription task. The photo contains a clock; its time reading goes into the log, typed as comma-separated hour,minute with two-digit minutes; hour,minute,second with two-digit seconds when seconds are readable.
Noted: 8,45,53
